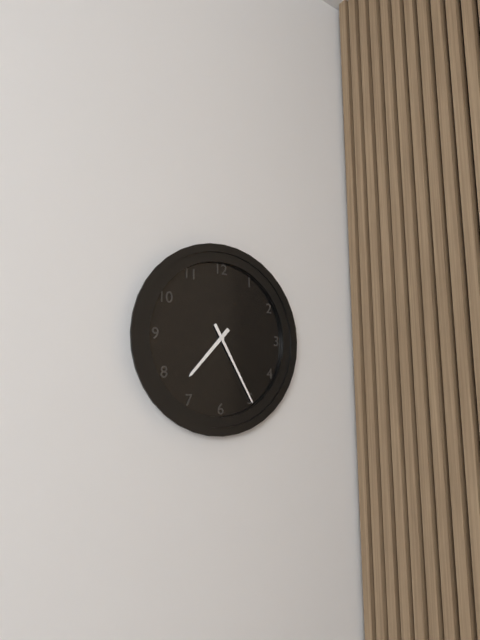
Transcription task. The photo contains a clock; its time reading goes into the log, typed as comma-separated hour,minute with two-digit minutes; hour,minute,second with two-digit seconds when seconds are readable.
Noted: 7,25
